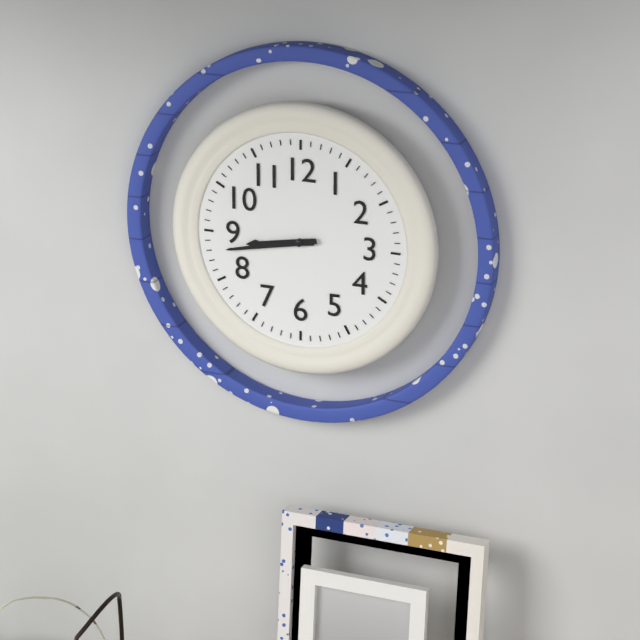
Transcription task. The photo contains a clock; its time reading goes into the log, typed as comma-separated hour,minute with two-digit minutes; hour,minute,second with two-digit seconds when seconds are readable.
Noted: 8,43
